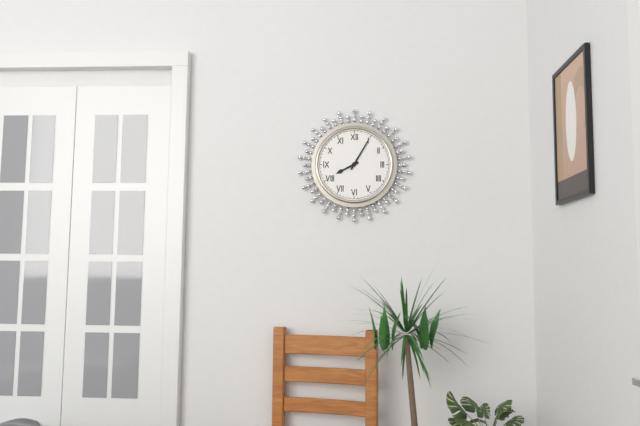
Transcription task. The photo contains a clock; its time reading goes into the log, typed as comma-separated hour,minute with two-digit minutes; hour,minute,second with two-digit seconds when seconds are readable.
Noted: 8,05
